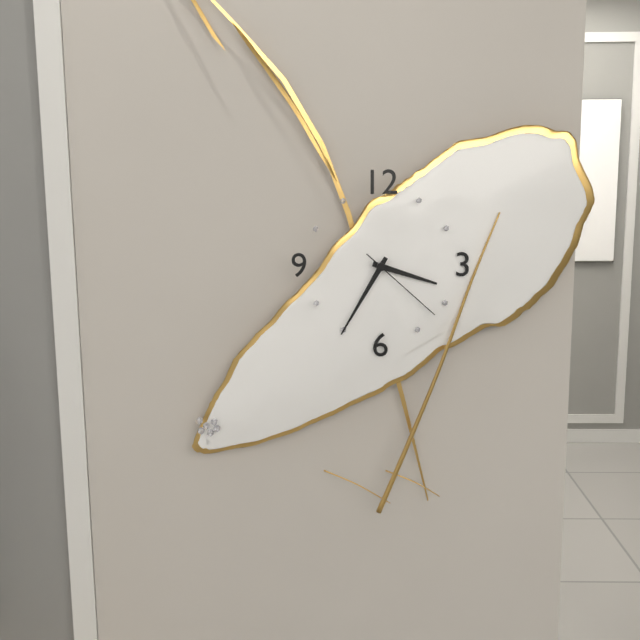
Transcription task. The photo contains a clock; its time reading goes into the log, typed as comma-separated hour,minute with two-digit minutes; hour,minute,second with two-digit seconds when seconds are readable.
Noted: 3,35,22
